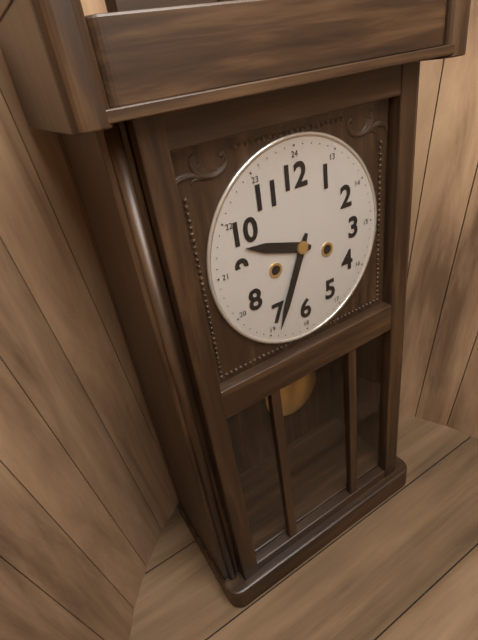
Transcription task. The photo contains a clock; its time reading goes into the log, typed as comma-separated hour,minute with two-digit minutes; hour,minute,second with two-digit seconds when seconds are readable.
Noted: 9,34
